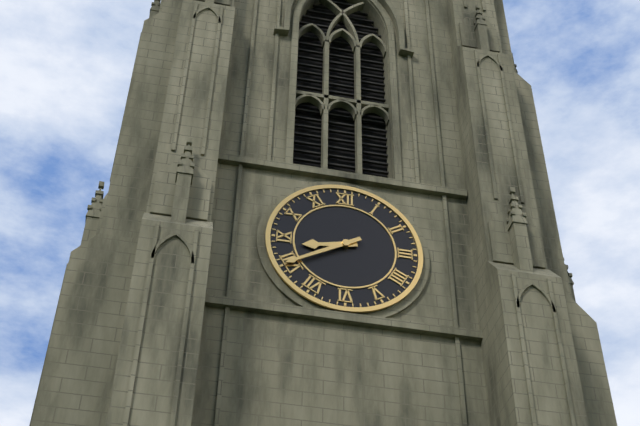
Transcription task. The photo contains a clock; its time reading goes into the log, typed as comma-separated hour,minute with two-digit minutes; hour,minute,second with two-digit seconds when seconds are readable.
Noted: 8,40
